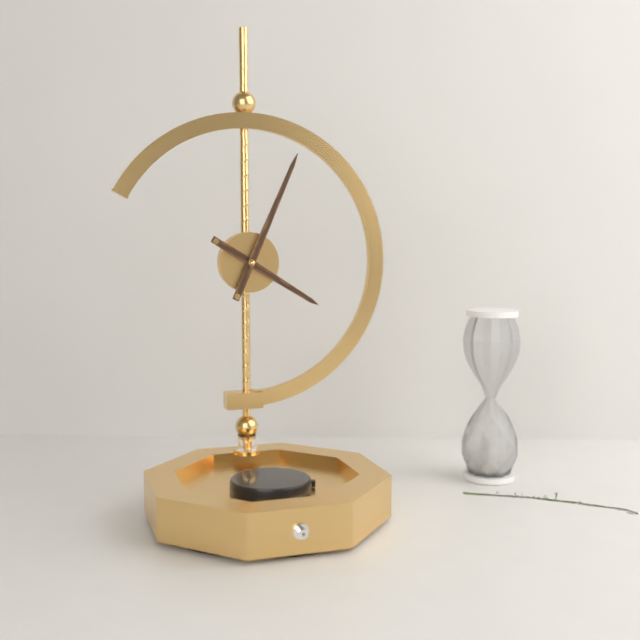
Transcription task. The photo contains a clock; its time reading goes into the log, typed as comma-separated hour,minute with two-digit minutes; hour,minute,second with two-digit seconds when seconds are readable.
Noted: 4,04
